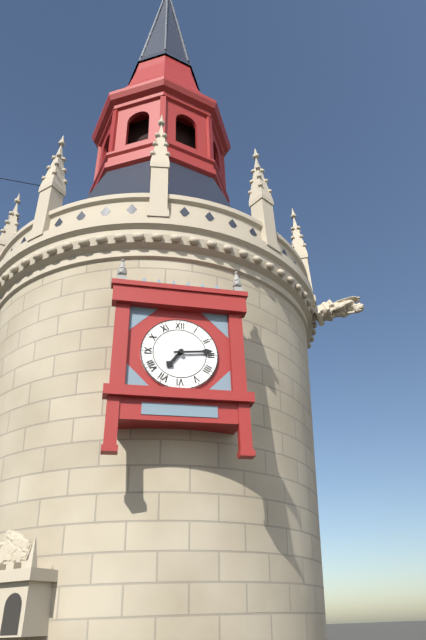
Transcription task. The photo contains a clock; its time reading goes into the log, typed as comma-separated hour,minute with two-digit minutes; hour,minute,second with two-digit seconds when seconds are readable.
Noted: 7,14
